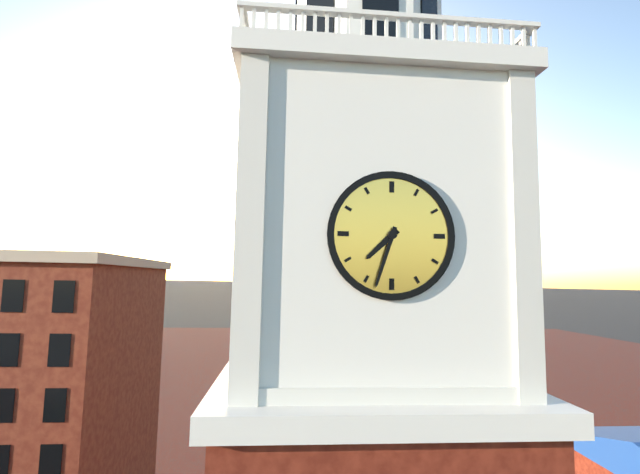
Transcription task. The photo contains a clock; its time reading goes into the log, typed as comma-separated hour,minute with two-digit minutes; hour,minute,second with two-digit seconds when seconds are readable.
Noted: 7,33
